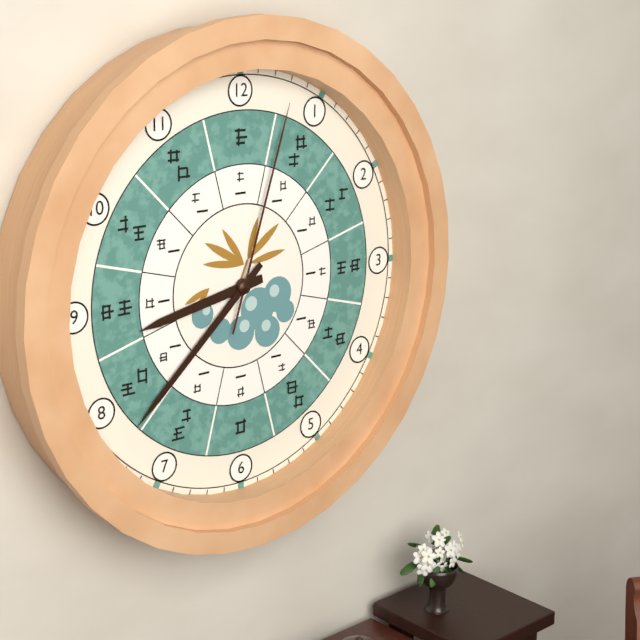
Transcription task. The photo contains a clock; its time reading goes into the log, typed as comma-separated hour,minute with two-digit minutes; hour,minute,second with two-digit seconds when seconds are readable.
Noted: 8,38,03
